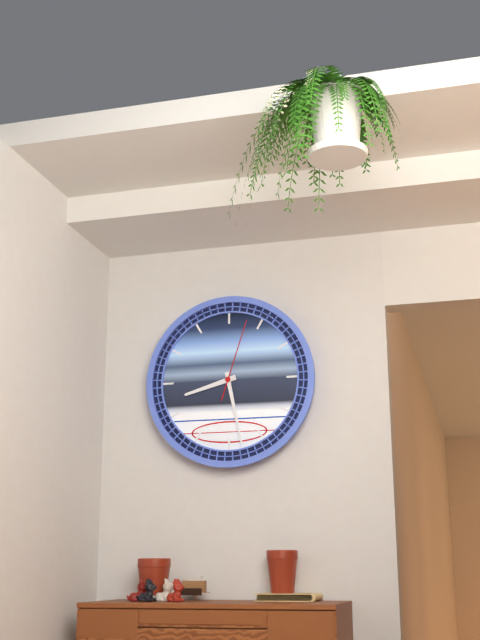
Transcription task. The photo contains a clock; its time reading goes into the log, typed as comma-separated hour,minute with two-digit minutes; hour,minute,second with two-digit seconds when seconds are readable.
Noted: 8,28,03
